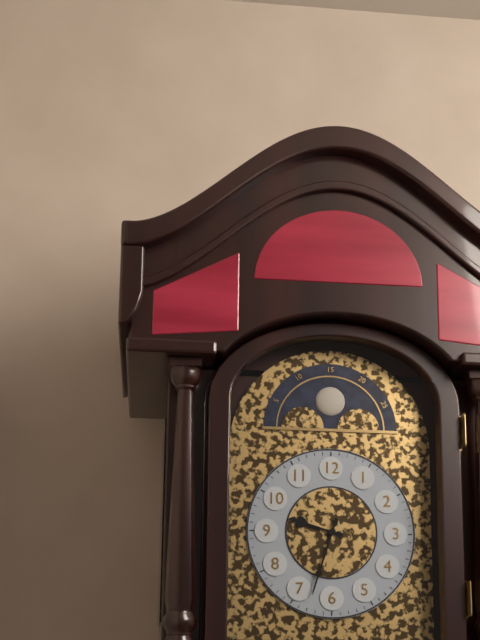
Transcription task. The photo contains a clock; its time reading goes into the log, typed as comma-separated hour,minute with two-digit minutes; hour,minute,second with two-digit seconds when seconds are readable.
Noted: 9,33
